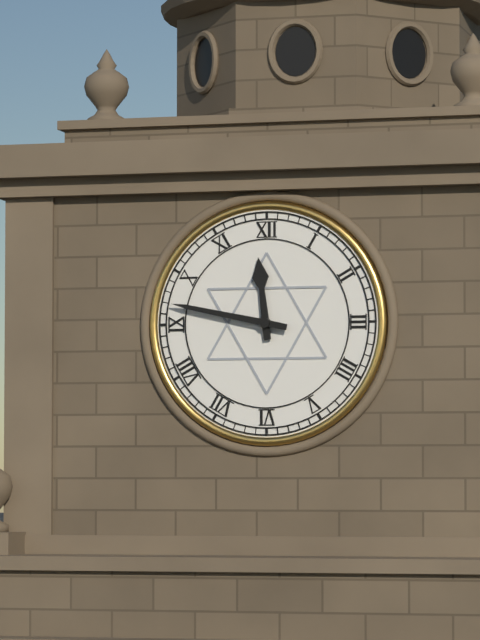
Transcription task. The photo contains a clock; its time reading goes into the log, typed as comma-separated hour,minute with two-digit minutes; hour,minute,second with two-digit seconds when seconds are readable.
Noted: 11,47
